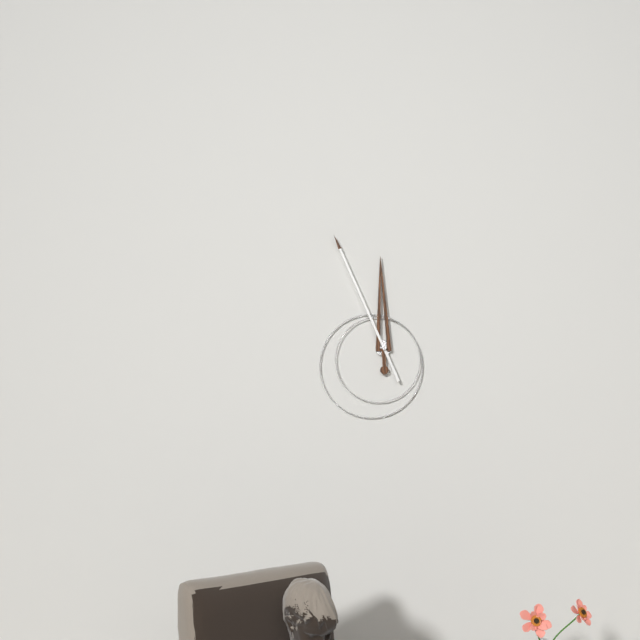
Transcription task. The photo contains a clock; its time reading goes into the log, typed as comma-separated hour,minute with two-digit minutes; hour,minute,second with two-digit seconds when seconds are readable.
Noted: 11,56
